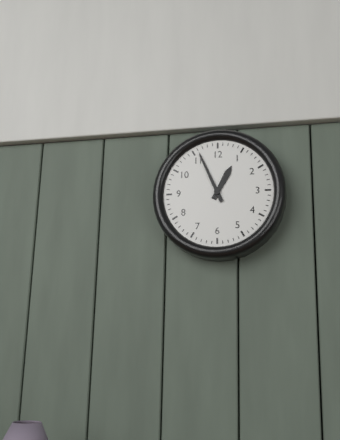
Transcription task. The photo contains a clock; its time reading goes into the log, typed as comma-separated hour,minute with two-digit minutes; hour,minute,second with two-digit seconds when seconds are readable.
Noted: 12,56
